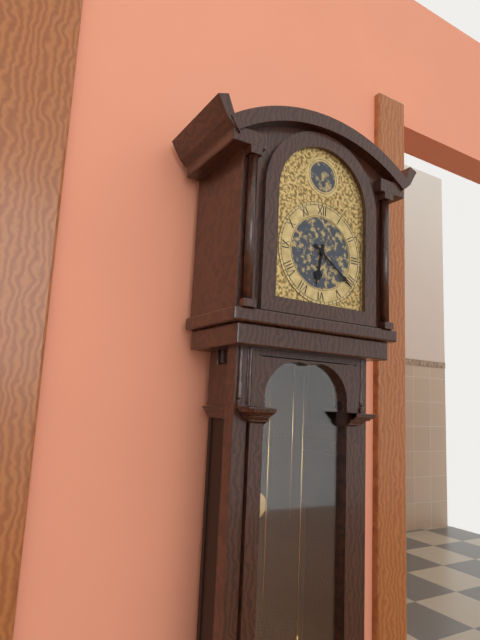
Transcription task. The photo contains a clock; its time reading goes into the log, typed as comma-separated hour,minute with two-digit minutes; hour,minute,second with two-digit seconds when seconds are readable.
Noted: 6,21
